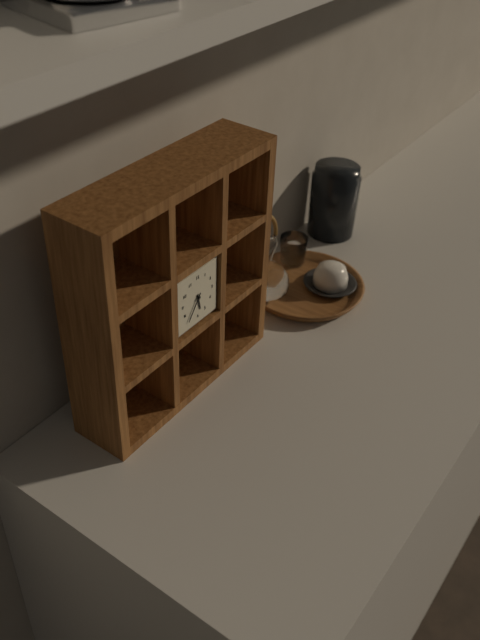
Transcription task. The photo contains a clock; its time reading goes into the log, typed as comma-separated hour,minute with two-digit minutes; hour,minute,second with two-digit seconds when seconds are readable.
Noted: 5,36
